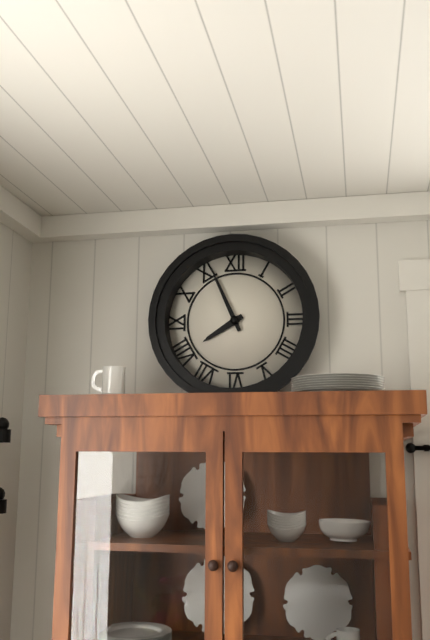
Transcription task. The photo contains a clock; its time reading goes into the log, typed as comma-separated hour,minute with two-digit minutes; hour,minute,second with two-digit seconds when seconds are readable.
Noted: 7,56
